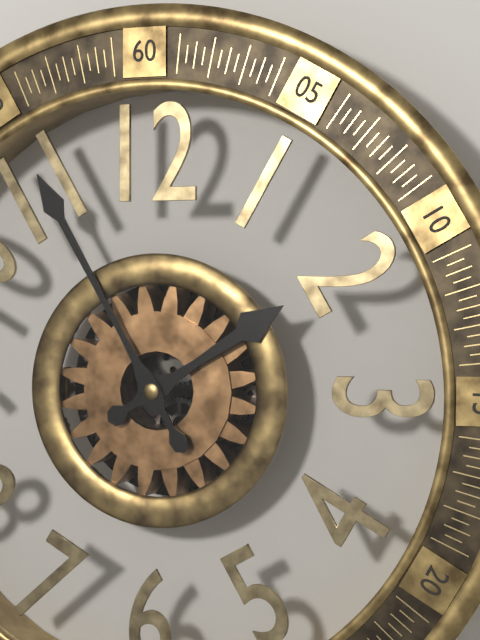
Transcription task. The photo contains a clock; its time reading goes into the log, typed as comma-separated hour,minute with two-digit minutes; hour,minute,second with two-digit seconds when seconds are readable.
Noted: 1,55
